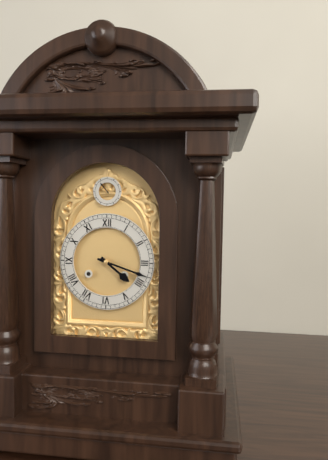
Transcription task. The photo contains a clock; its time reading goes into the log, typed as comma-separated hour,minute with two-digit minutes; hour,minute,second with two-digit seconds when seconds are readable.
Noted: 4,18
